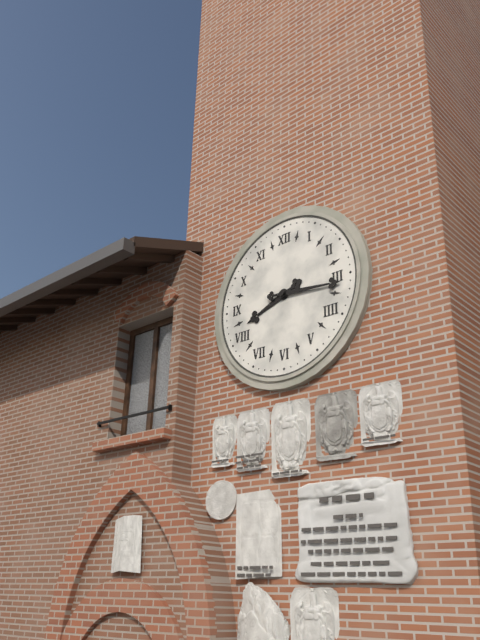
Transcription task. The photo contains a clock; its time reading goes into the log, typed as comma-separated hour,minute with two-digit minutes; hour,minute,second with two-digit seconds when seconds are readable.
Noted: 8,16
